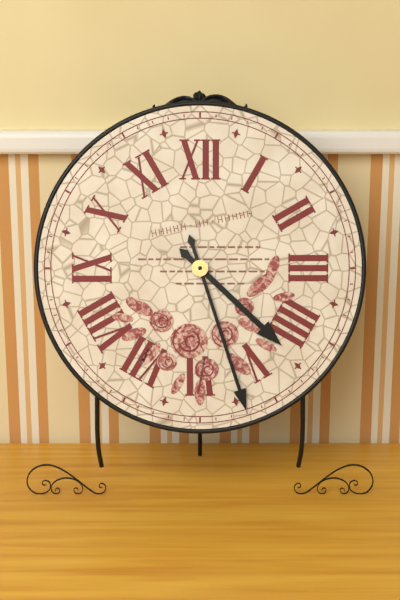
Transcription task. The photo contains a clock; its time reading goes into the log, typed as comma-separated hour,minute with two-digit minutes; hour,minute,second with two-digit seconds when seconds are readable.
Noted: 4,27
